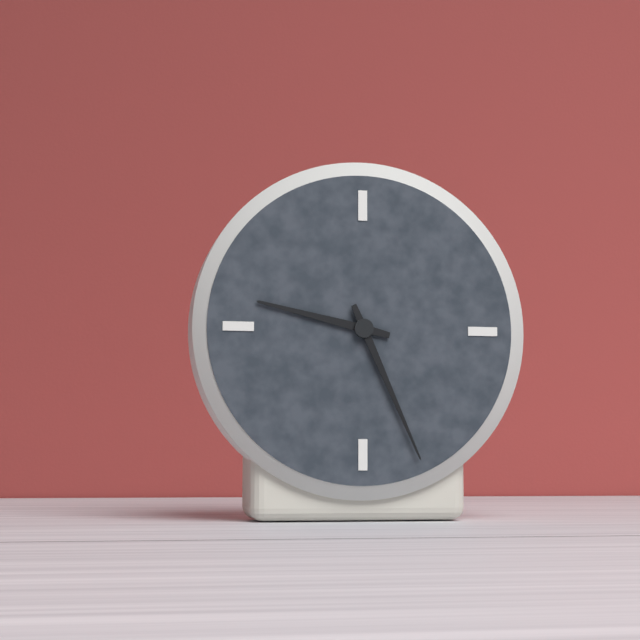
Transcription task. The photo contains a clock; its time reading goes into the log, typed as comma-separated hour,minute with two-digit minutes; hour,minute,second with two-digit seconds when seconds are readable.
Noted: 9,26
